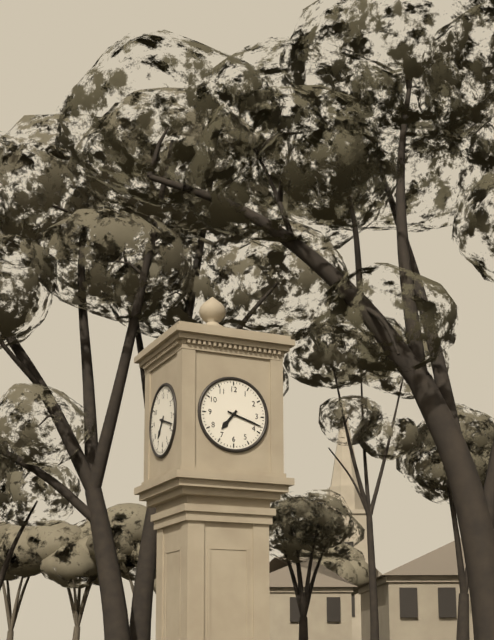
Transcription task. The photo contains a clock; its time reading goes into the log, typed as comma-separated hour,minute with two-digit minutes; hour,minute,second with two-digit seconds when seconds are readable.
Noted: 7,18
